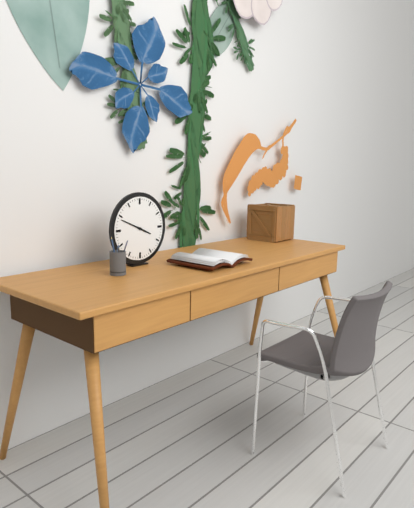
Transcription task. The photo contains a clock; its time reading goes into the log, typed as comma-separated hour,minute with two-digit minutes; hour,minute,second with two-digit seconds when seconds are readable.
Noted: 3,49
